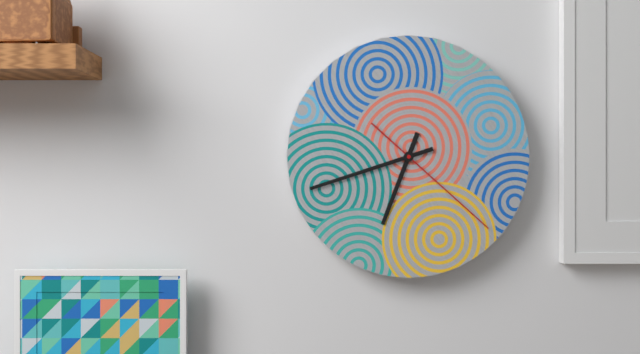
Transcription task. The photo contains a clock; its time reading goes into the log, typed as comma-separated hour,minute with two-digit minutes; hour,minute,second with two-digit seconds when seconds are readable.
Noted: 6,42,22
